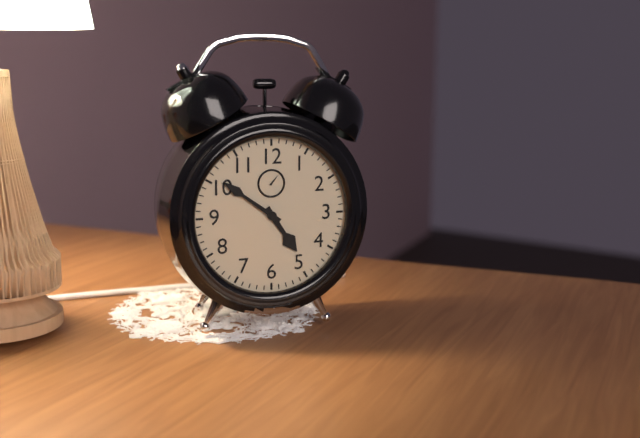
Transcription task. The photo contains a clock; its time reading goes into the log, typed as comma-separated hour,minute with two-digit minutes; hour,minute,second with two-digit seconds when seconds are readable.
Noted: 4,51
